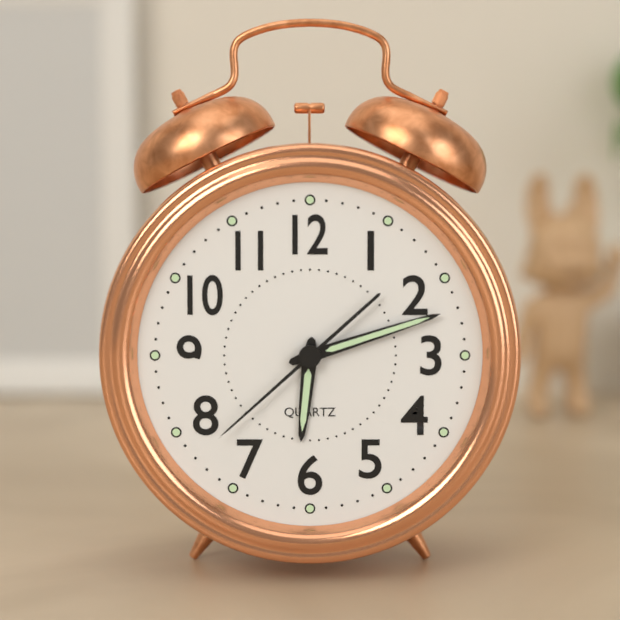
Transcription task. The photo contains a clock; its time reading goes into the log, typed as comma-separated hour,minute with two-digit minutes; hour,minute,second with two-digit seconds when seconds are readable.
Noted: 6,12,38
